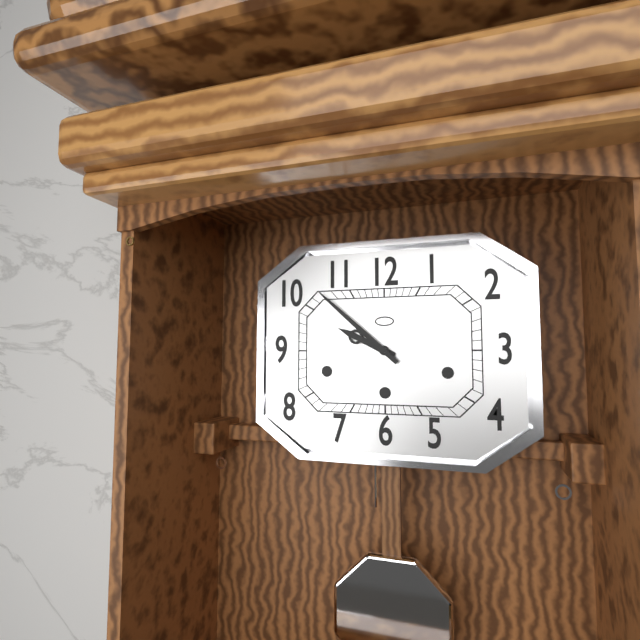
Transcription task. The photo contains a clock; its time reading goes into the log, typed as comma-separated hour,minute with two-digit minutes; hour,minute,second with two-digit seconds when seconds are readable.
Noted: 9,52
